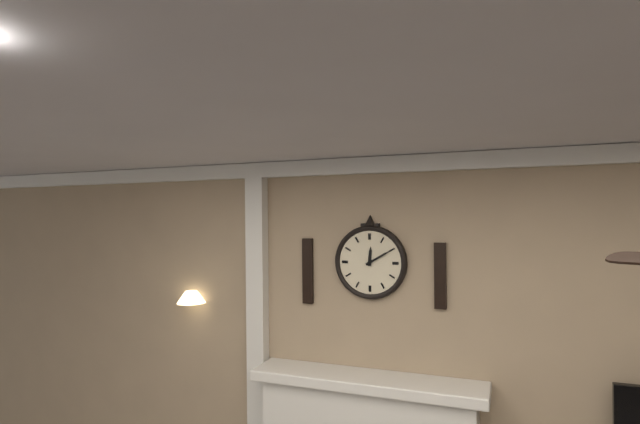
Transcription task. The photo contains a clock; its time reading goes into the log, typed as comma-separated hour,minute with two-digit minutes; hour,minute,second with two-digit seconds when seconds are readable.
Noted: 12,10
